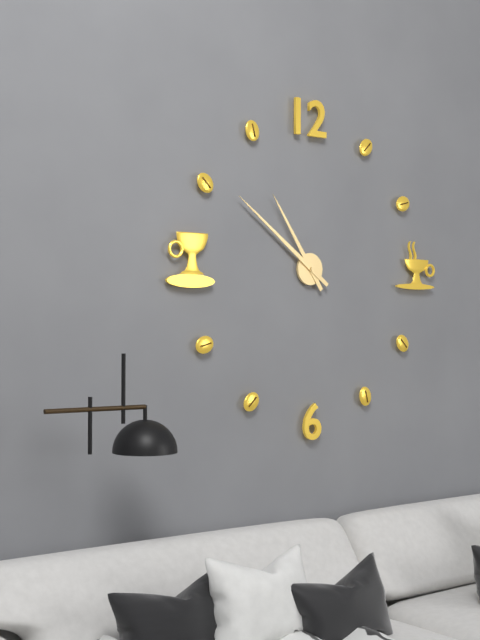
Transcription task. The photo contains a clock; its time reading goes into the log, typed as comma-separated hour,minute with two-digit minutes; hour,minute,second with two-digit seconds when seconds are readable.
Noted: 10,51
